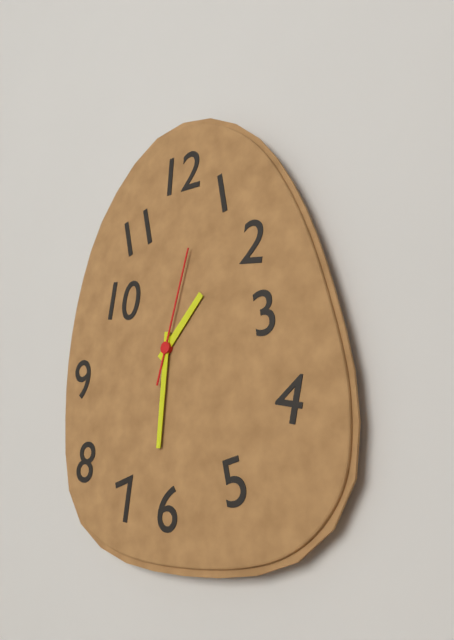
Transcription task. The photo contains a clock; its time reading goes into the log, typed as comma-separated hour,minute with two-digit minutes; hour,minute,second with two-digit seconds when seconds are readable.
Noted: 1,31,03
